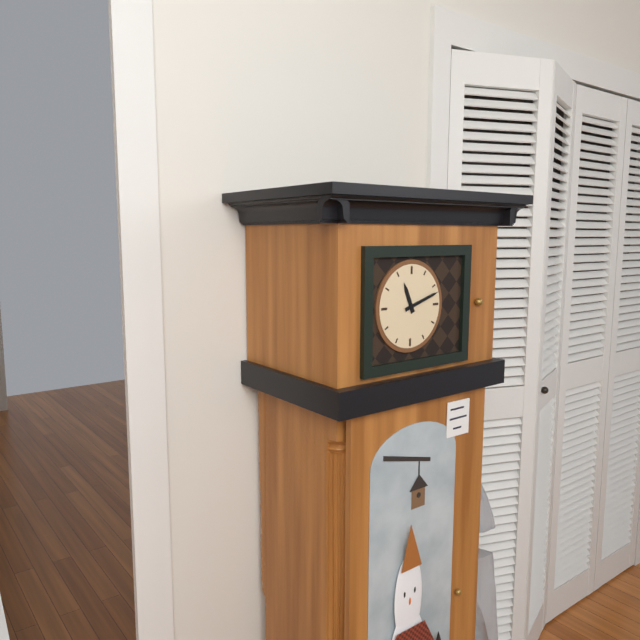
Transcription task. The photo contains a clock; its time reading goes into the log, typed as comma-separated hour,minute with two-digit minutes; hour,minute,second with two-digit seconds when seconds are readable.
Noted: 11,12
